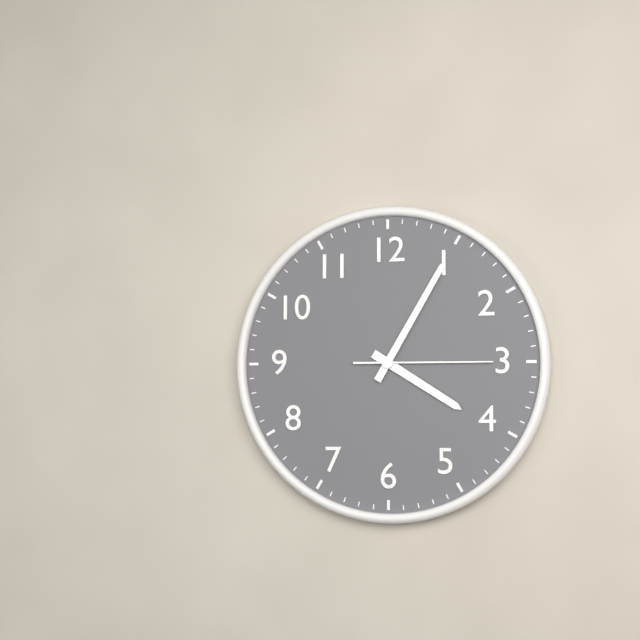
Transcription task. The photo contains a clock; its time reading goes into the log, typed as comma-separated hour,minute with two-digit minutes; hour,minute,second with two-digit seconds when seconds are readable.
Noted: 4,05,15
